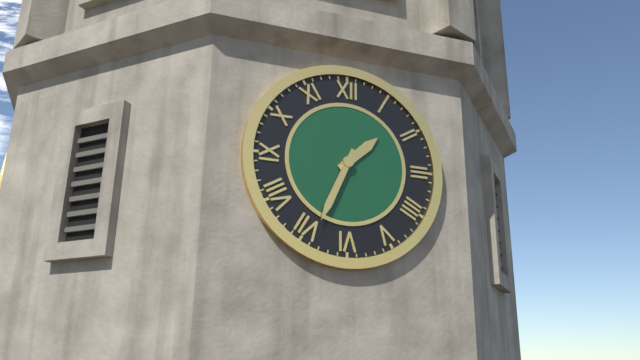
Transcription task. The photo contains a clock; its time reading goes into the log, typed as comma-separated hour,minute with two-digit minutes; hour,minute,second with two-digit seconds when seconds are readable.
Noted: 1,34
